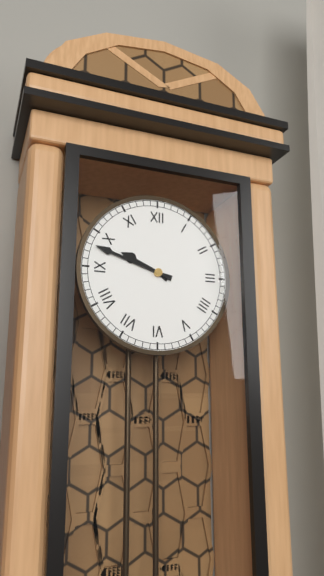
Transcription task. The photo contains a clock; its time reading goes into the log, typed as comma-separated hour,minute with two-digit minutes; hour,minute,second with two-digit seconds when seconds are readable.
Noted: 9,48
